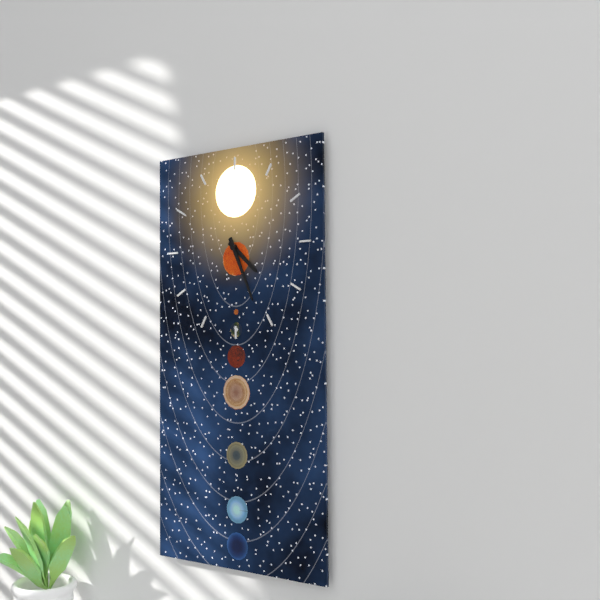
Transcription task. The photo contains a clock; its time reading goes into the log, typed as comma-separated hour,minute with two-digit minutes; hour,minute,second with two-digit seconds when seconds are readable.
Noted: 4,26
